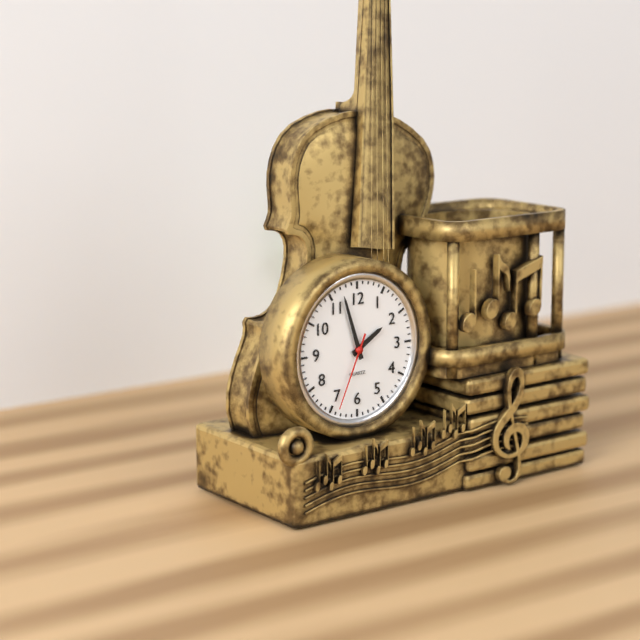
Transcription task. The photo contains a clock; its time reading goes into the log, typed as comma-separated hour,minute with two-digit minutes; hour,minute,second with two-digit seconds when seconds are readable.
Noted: 1,57,34
